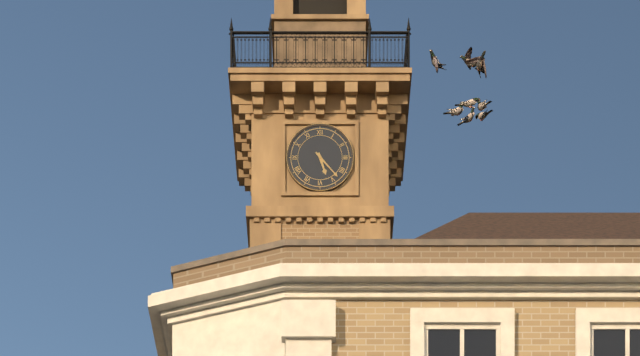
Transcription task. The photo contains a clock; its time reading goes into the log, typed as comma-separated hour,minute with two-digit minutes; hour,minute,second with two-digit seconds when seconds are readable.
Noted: 5,23
